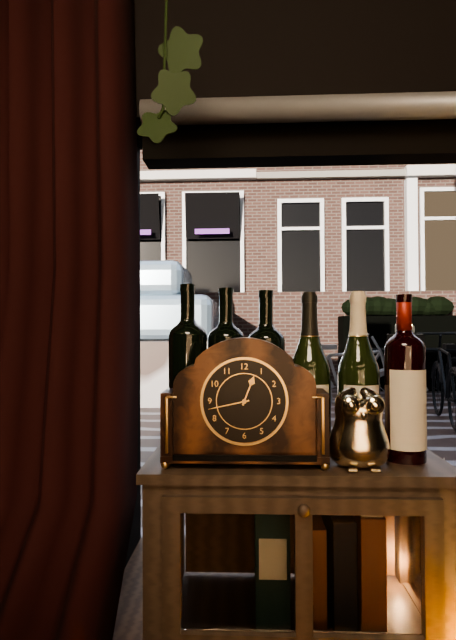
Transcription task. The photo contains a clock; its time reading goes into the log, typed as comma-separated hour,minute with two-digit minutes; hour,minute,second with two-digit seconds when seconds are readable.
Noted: 12,43
